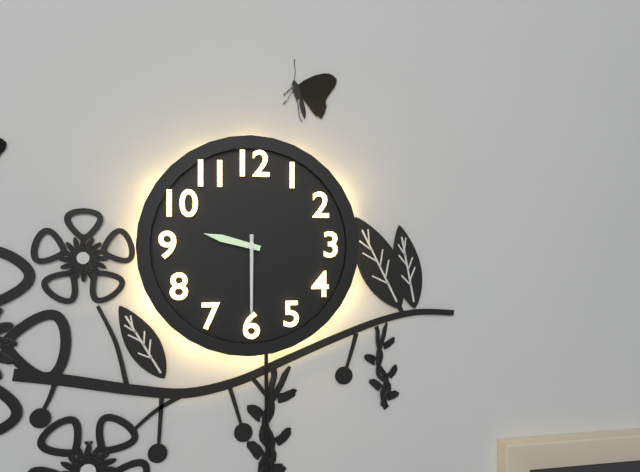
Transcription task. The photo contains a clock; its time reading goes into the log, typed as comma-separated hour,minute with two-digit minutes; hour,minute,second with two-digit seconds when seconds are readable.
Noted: 9,30
